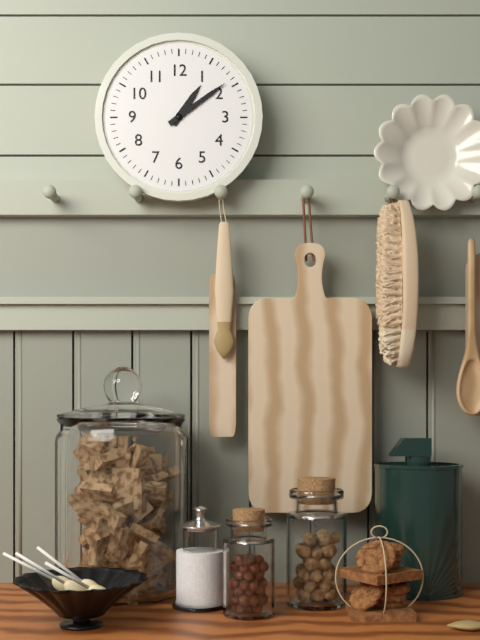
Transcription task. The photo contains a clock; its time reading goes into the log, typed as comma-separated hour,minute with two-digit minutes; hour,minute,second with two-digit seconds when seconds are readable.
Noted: 1,09
